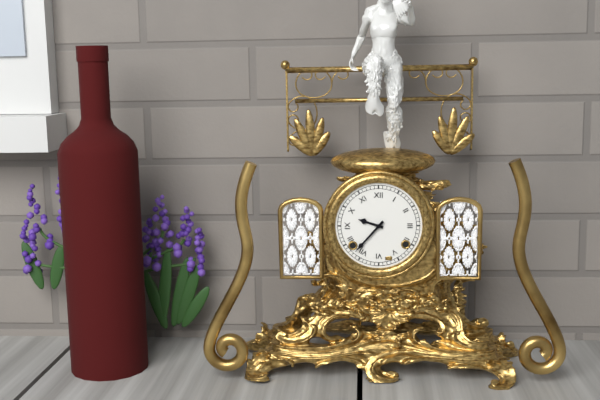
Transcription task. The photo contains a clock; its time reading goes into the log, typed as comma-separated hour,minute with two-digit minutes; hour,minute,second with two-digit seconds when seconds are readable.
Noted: 9,37
